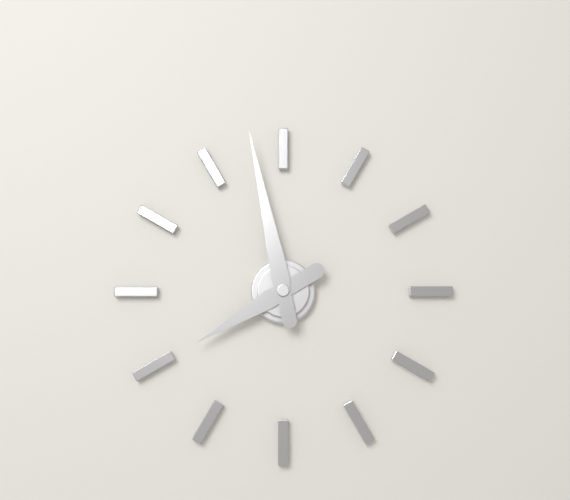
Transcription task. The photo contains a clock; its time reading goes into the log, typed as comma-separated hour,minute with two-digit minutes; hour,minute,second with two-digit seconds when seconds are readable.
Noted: 7,58
